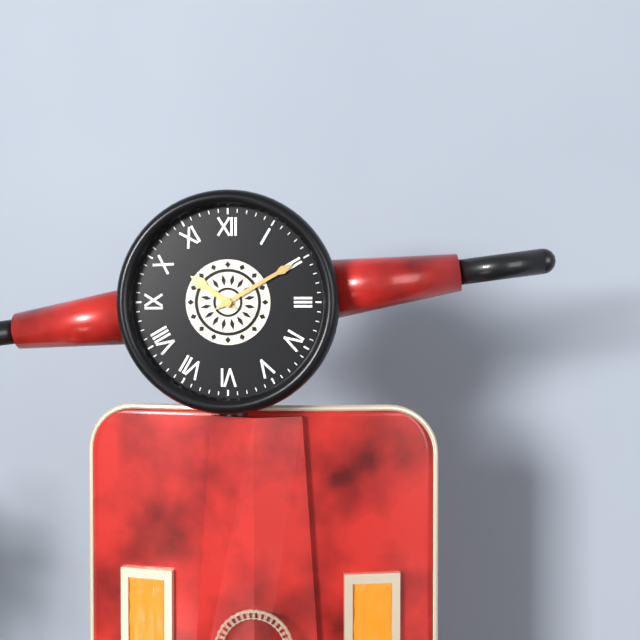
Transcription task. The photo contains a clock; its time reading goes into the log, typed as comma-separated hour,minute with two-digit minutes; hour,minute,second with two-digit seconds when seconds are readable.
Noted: 10,10
